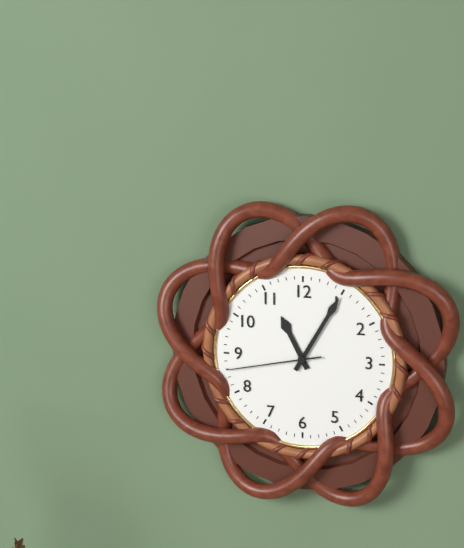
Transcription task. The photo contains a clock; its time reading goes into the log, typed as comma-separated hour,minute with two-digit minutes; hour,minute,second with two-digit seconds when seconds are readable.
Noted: 11,05,43
